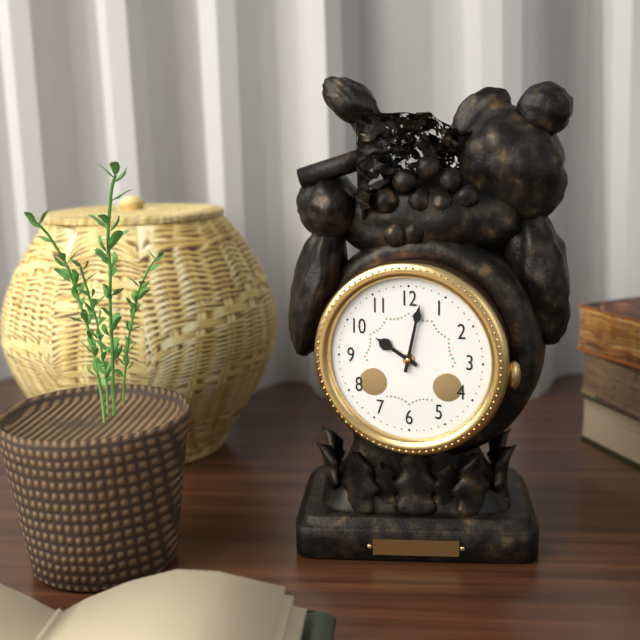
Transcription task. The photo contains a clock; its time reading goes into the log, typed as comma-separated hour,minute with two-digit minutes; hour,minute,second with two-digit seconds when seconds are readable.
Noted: 10,02
